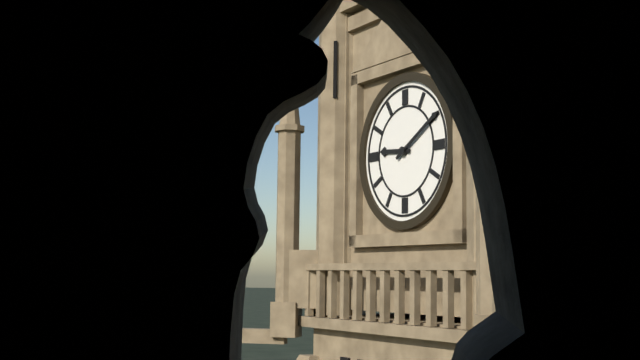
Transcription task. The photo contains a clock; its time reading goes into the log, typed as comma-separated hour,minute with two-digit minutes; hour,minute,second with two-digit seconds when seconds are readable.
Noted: 9,10
